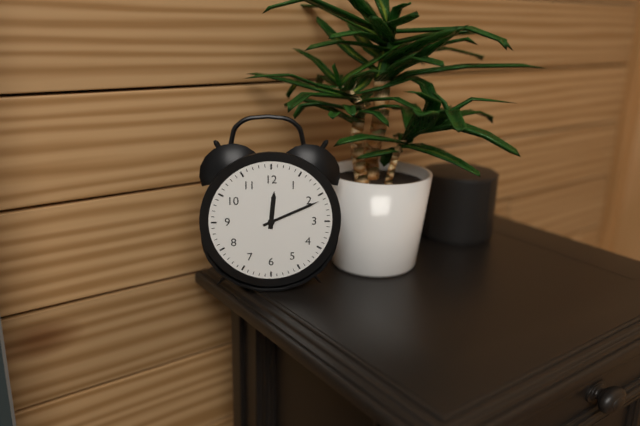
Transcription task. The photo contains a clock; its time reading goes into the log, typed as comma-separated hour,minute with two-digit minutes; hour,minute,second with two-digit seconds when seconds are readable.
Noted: 12,11
